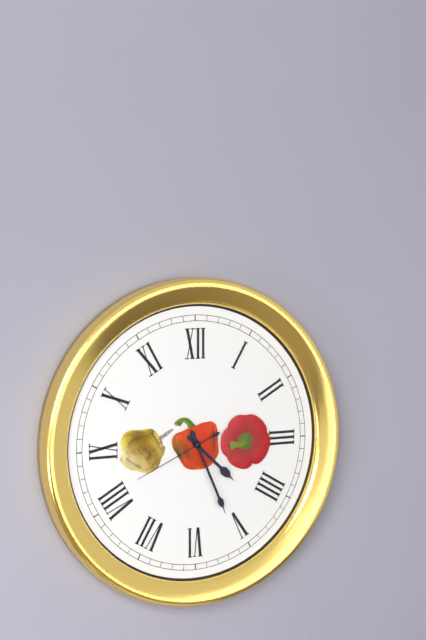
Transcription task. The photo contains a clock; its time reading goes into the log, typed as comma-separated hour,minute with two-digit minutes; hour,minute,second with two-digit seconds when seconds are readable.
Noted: 4,26,41
